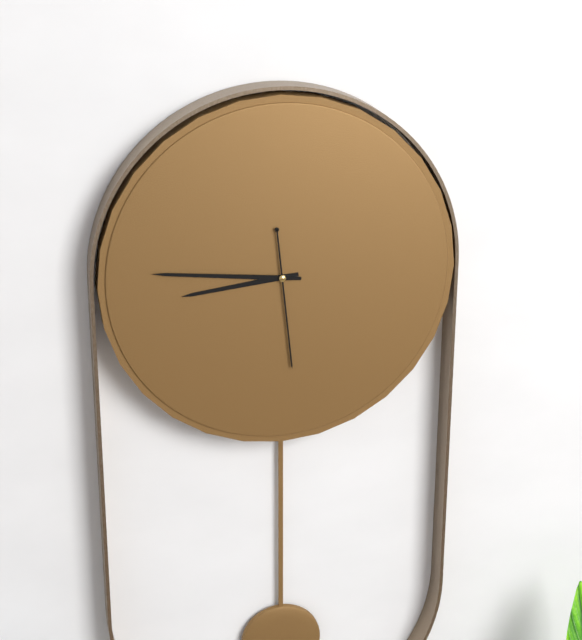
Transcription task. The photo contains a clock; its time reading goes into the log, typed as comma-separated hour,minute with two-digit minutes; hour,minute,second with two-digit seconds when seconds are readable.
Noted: 8,46,29
